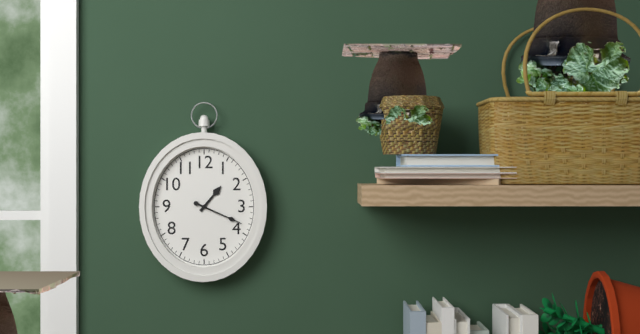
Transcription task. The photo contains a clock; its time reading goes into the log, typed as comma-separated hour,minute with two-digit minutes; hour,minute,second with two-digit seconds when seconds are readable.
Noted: 1,19
